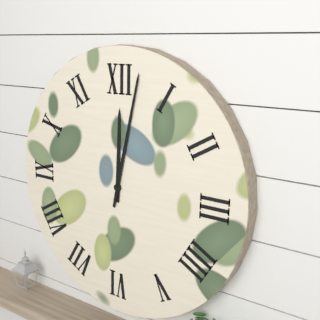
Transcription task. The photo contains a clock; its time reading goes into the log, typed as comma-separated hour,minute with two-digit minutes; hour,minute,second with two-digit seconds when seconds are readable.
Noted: 12,02
